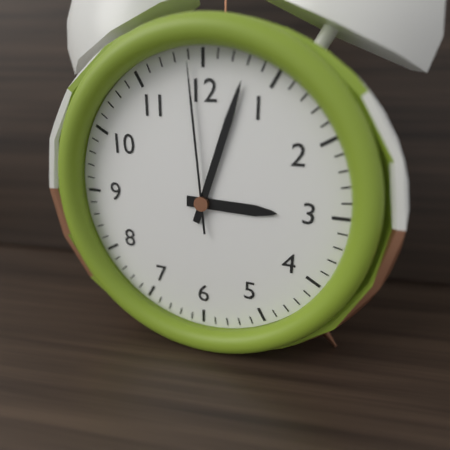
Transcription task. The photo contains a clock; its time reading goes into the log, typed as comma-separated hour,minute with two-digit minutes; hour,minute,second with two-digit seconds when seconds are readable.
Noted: 3,03,59
